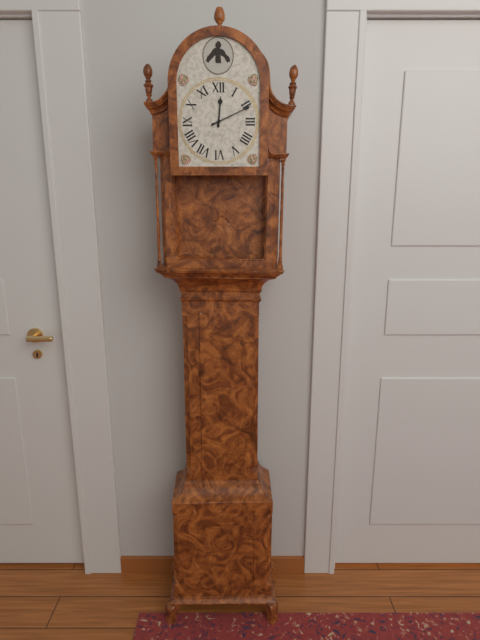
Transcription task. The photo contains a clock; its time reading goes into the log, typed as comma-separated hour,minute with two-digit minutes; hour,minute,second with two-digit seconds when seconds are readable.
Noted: 12,11
